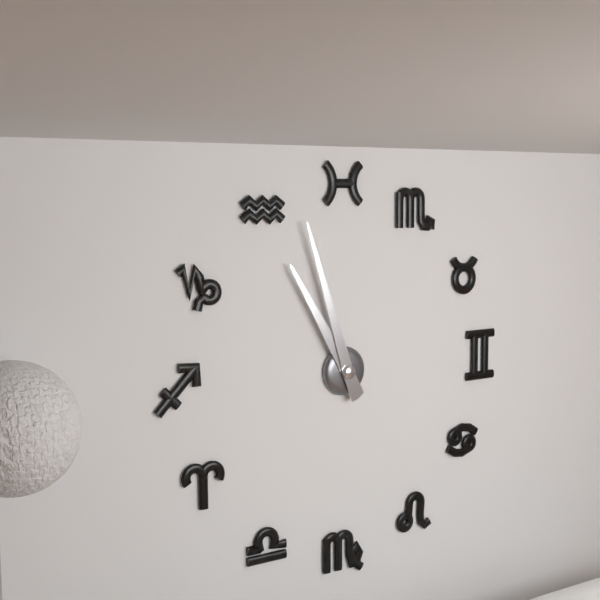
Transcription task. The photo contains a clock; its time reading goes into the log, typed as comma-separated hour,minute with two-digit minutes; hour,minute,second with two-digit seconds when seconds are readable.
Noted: 10,57
